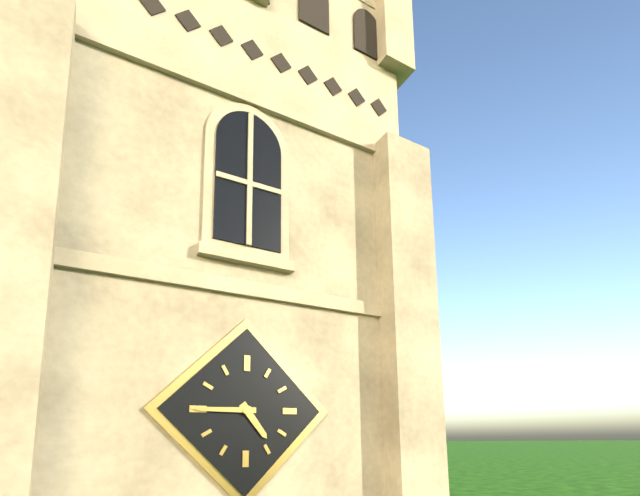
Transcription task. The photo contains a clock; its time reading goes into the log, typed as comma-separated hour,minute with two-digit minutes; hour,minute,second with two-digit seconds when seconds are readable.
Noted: 4,45
